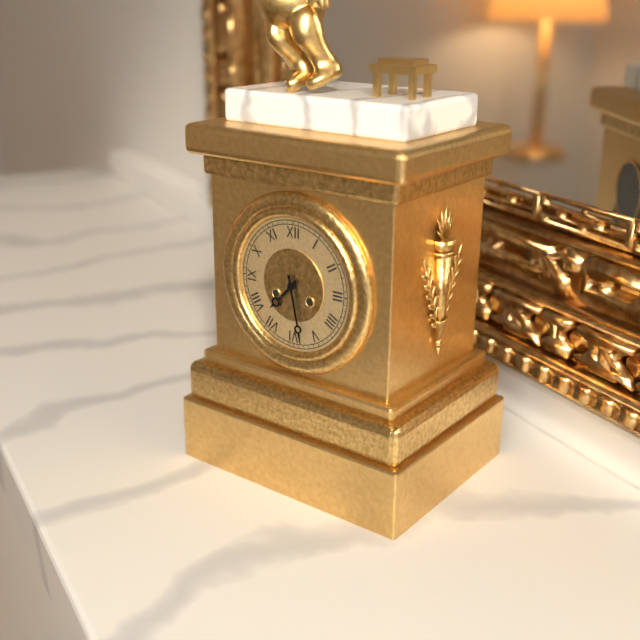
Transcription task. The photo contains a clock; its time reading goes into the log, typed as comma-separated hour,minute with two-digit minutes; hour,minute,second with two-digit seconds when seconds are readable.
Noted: 7,28
